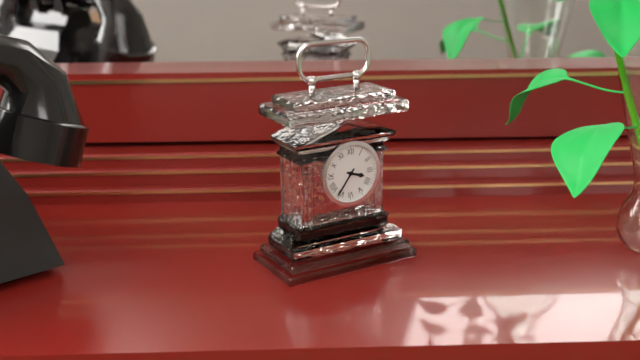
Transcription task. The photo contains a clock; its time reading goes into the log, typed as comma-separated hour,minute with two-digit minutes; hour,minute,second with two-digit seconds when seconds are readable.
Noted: 3,36
